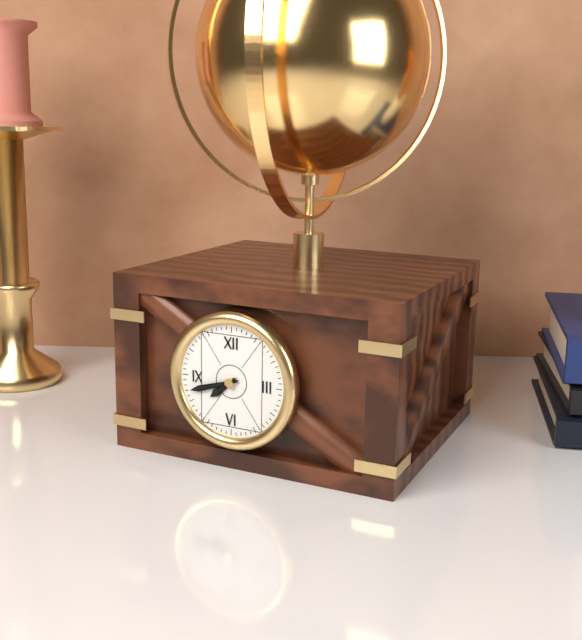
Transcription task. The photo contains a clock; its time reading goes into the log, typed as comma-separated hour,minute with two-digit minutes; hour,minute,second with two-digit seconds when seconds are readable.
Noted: 7,42
